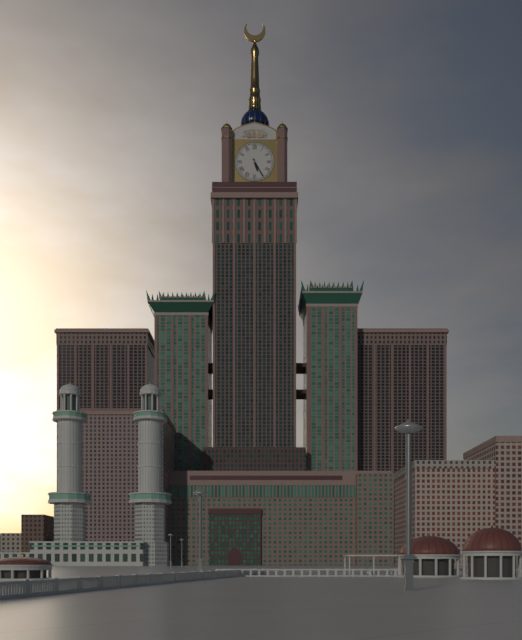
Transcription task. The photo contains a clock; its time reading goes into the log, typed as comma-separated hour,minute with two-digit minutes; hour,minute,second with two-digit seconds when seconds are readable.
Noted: 5,25
